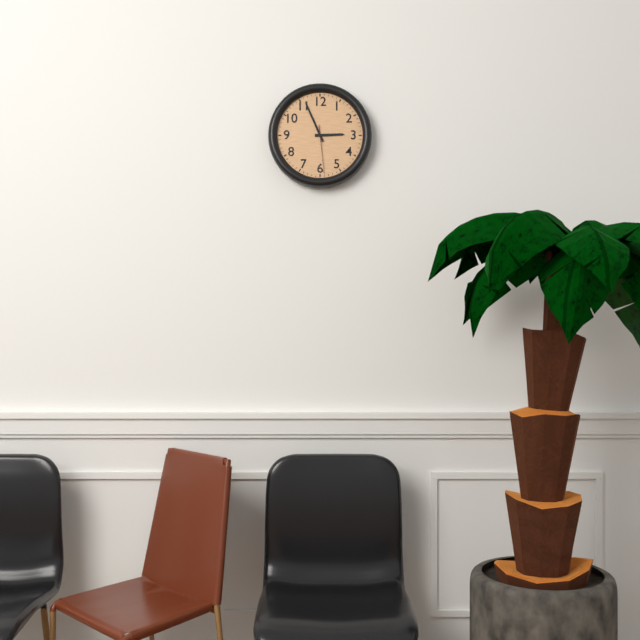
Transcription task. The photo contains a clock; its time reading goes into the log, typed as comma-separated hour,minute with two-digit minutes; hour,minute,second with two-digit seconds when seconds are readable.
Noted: 2,56
